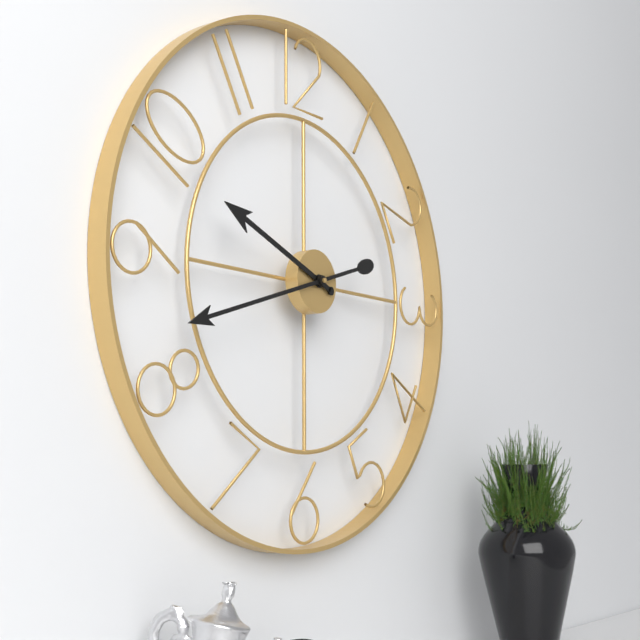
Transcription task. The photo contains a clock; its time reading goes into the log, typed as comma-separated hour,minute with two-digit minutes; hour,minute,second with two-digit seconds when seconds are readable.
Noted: 9,42
